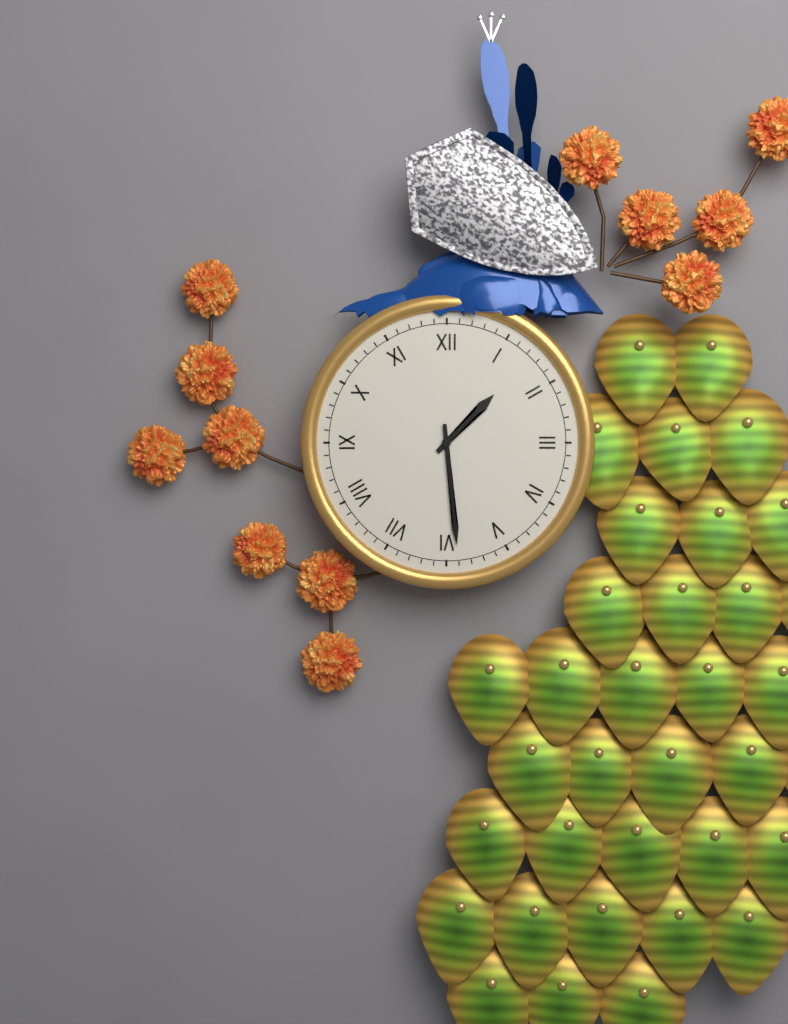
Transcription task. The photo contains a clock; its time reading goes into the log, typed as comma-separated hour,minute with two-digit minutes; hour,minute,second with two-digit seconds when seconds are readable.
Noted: 1,29
